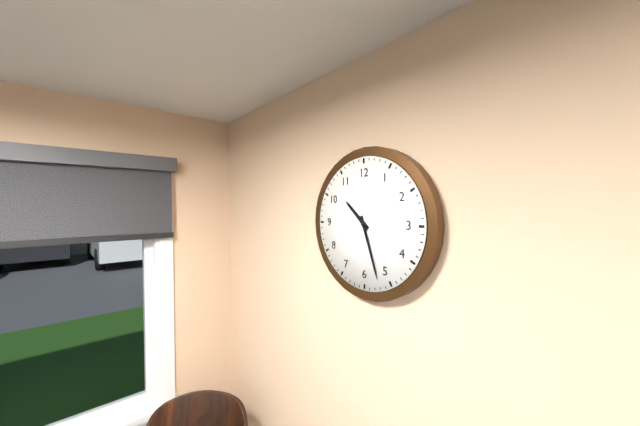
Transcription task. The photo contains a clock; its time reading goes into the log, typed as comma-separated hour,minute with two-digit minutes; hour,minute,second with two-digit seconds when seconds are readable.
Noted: 10,27
